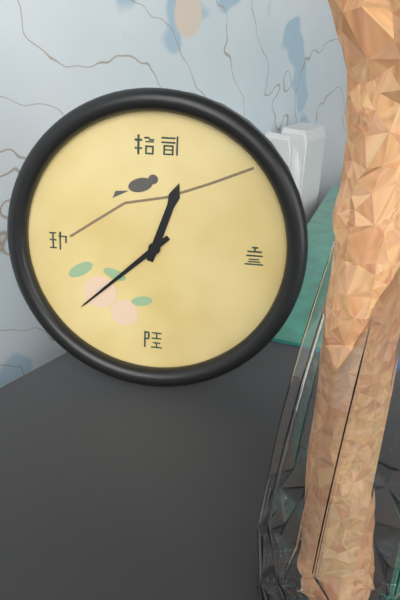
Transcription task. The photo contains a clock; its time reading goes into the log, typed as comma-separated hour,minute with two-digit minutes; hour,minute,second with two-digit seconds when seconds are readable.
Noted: 12,38
